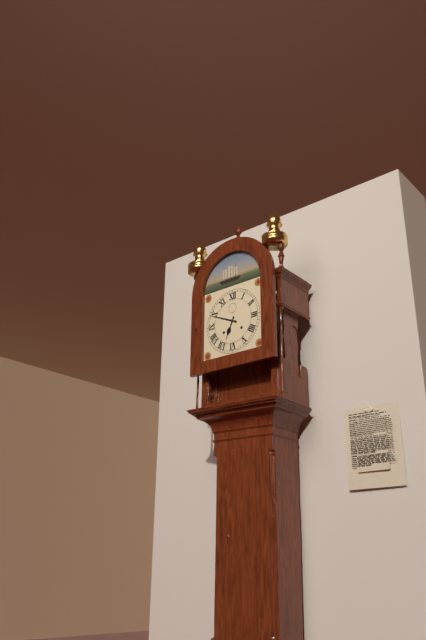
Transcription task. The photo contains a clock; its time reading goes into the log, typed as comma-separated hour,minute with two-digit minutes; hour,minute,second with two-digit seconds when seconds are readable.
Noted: 6,49
